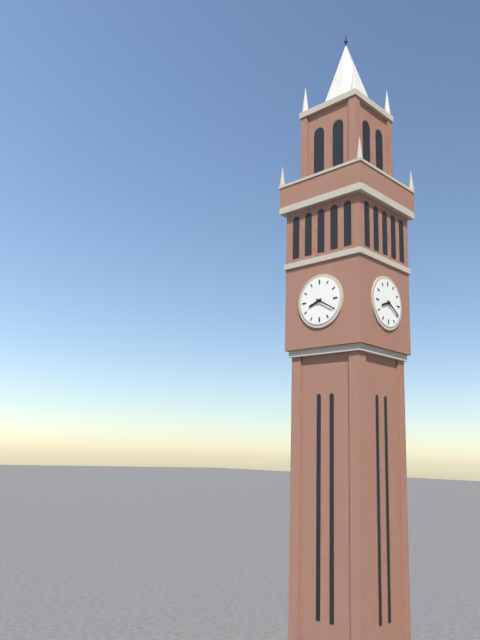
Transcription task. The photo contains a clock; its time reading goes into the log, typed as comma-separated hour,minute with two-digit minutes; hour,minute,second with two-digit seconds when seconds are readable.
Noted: 8,20
